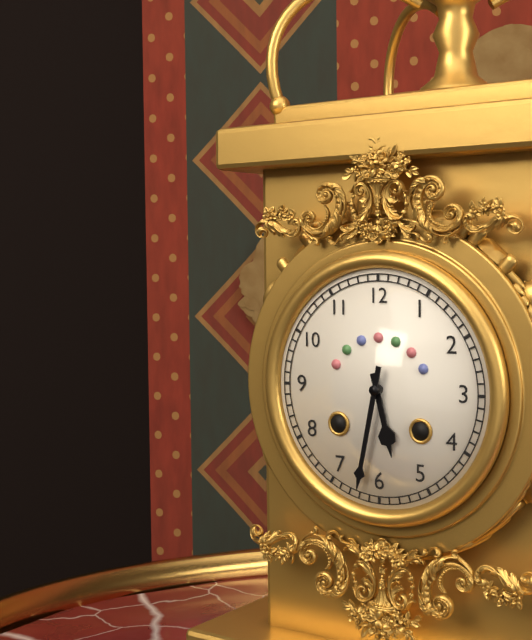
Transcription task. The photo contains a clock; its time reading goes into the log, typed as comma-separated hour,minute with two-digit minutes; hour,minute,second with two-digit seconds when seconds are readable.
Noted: 5,32
